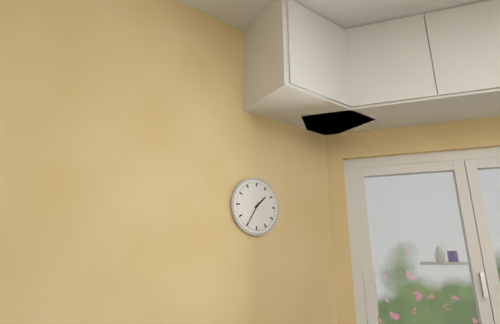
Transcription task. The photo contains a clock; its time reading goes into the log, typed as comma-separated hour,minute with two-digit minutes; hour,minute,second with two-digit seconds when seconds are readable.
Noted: 1,35
